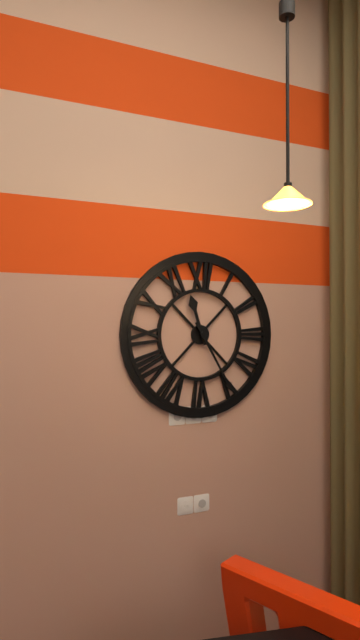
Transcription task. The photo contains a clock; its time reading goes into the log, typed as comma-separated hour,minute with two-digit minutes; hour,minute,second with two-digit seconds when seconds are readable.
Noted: 11,25
